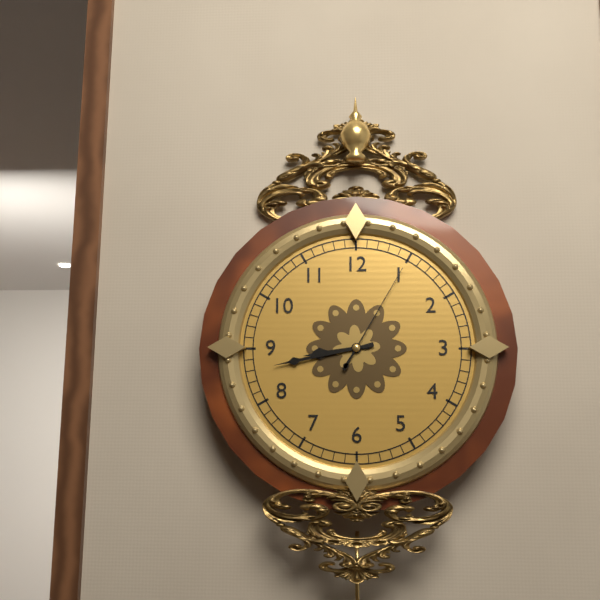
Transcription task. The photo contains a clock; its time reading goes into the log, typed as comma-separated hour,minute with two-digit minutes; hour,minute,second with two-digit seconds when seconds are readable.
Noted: 8,43,05
